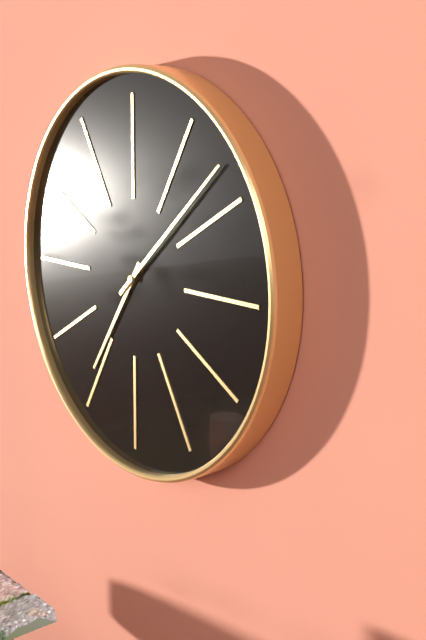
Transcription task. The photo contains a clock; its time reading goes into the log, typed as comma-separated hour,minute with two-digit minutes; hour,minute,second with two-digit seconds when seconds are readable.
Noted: 7,08
